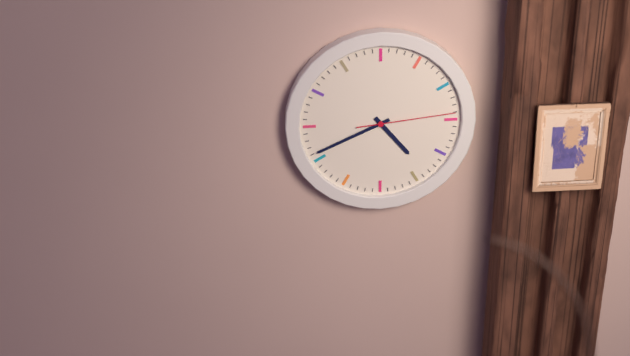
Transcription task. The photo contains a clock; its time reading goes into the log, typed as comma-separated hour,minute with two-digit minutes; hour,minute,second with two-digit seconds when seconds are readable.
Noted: 4,41,14
